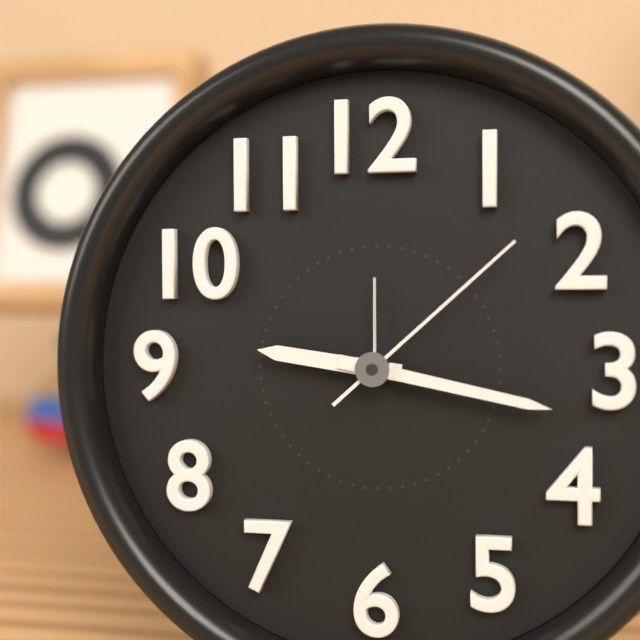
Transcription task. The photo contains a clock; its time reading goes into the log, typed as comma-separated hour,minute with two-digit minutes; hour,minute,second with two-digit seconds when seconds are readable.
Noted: 9,17,08
